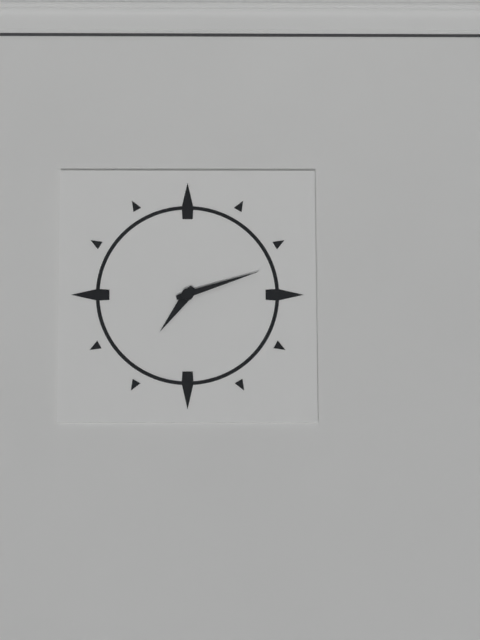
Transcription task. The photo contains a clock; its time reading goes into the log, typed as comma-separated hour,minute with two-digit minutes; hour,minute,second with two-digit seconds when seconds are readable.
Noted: 7,12
